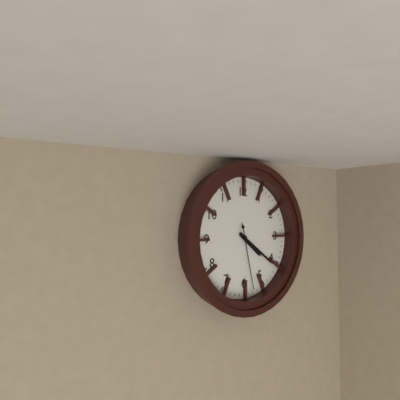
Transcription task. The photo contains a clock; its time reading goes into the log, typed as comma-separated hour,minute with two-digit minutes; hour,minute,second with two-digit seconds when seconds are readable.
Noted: 4,21,28
